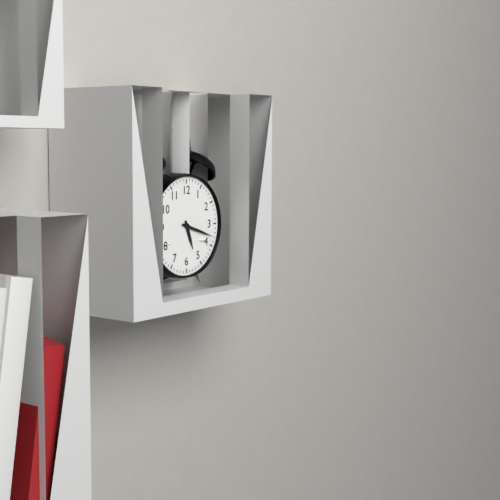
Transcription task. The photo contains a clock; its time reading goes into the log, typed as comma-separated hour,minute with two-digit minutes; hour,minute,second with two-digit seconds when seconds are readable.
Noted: 5,18
